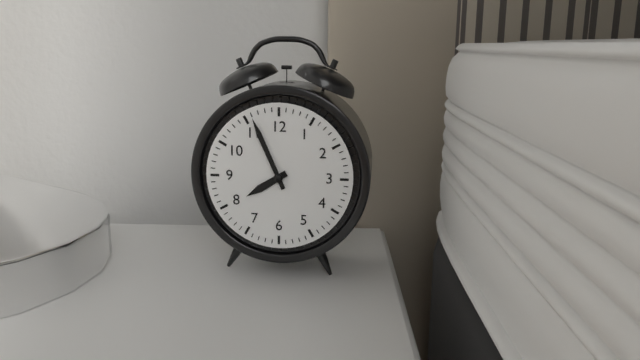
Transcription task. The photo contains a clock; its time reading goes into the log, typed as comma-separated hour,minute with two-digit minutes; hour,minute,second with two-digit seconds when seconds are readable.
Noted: 7,56
